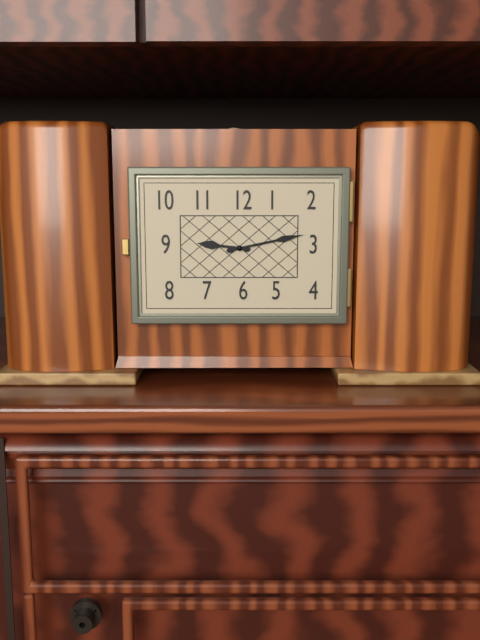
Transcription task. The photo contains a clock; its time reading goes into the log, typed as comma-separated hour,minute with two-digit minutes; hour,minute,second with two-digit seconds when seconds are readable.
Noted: 9,13
